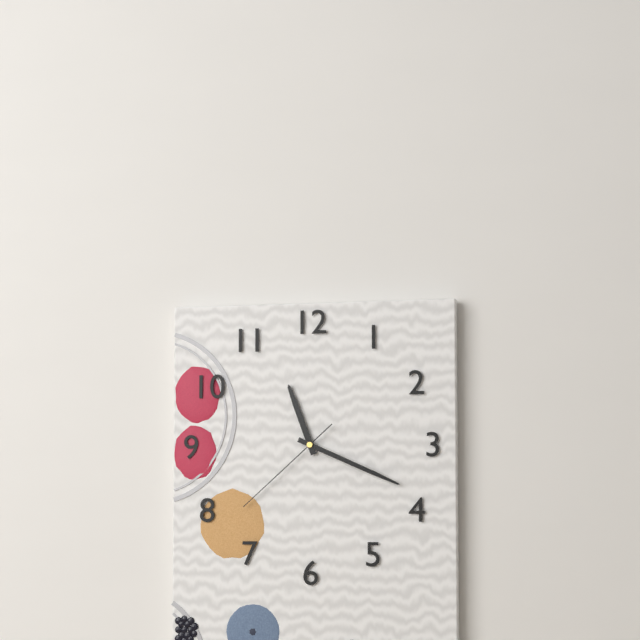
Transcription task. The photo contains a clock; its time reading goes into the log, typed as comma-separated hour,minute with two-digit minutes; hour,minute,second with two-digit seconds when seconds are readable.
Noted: 11,19,38
